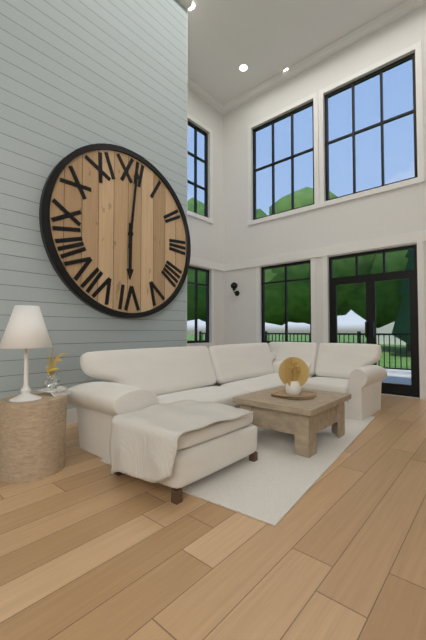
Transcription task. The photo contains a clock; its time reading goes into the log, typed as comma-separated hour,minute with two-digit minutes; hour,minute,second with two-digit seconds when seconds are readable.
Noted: 6,01
